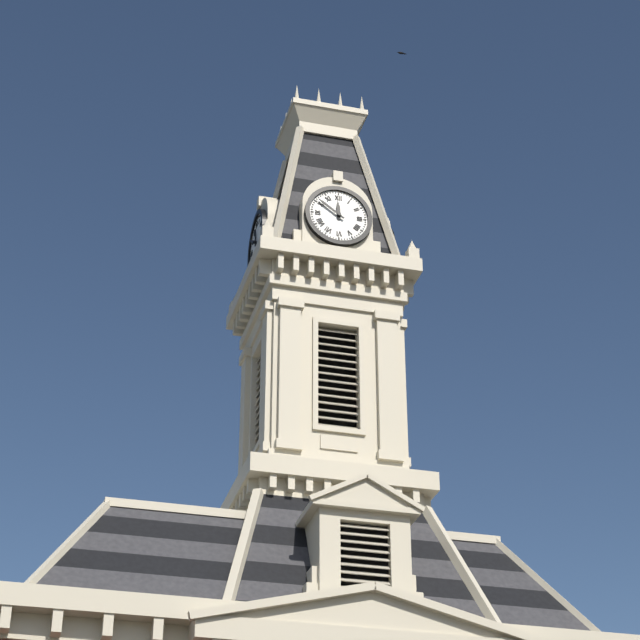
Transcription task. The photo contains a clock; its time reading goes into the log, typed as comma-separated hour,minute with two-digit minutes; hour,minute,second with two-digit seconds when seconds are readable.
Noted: 11,51
